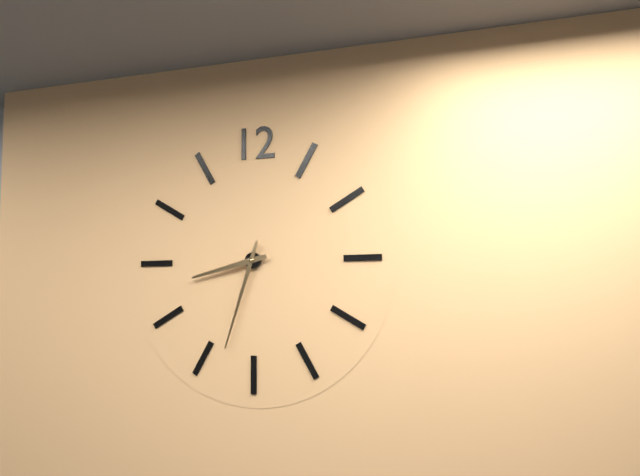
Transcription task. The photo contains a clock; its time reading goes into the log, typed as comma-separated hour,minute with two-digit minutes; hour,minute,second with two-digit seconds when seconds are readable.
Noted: 8,33
